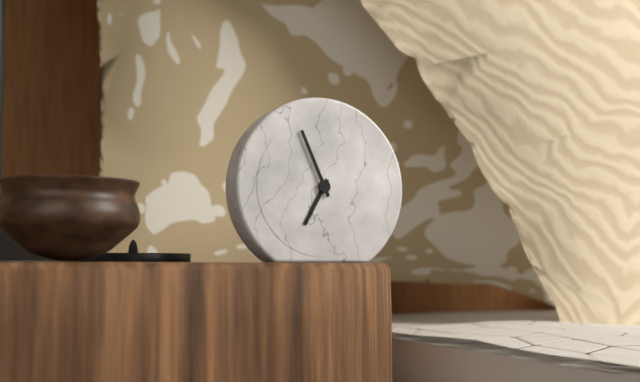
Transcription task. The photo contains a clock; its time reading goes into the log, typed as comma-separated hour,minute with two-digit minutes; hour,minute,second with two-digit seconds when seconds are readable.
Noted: 6,56
